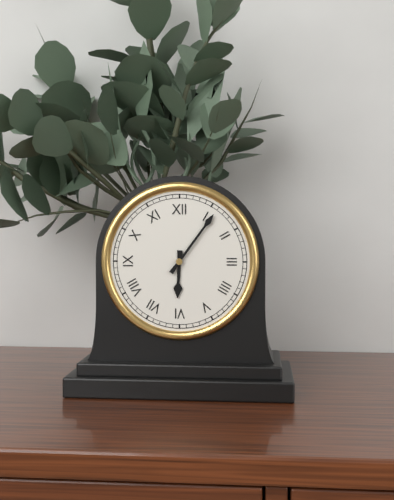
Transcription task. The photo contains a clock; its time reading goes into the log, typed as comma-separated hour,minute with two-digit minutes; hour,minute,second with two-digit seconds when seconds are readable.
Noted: 6,06
